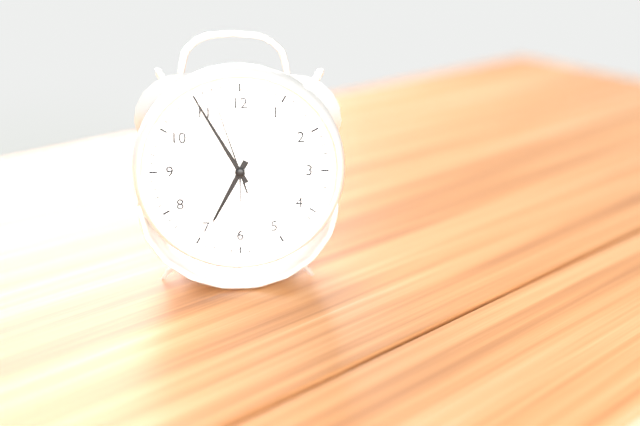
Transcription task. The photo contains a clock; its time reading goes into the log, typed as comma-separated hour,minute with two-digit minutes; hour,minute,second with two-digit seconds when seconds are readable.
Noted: 6,55,57
